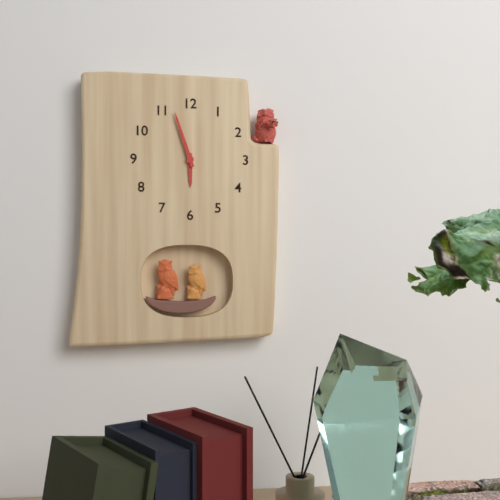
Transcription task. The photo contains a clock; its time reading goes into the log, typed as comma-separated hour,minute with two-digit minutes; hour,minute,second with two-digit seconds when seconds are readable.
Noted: 5,57
